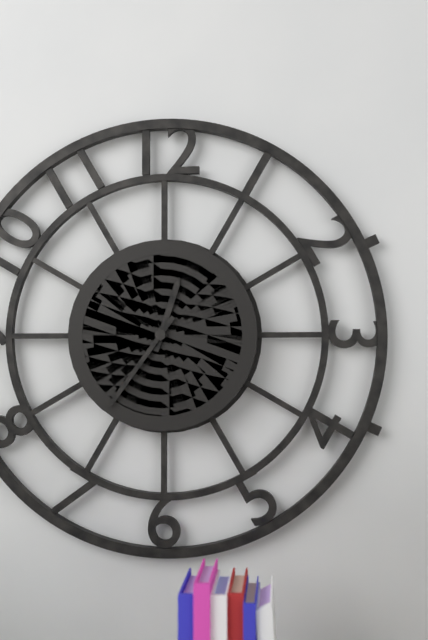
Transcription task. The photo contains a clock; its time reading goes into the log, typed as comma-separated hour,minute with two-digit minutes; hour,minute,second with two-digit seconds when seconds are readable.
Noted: 12,36
